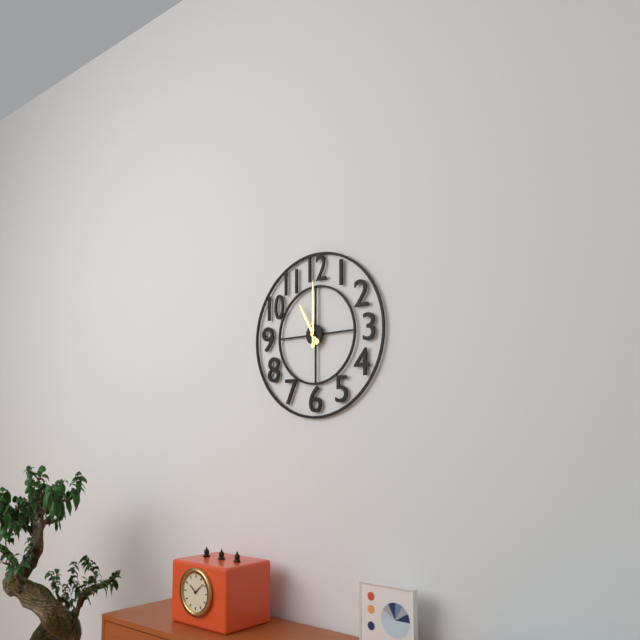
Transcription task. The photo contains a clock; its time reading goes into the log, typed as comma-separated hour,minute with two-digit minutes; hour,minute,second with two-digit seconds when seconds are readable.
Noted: 11,00
